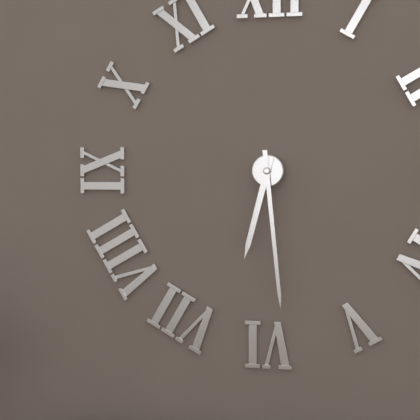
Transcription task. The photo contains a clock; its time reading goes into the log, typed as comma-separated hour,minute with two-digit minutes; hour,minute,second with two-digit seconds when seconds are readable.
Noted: 6,29
